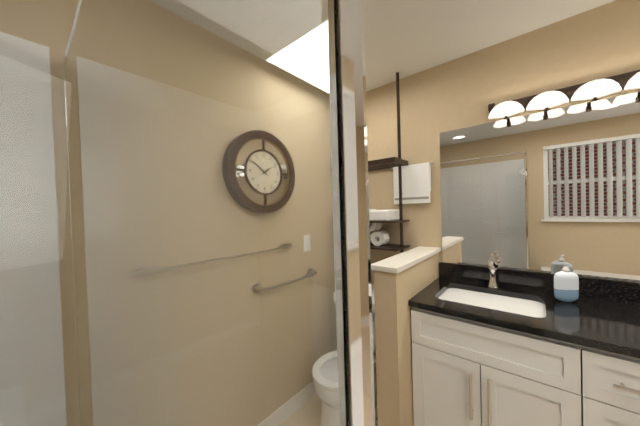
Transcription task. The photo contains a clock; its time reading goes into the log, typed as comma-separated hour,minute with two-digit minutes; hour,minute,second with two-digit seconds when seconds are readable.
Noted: 1,51
